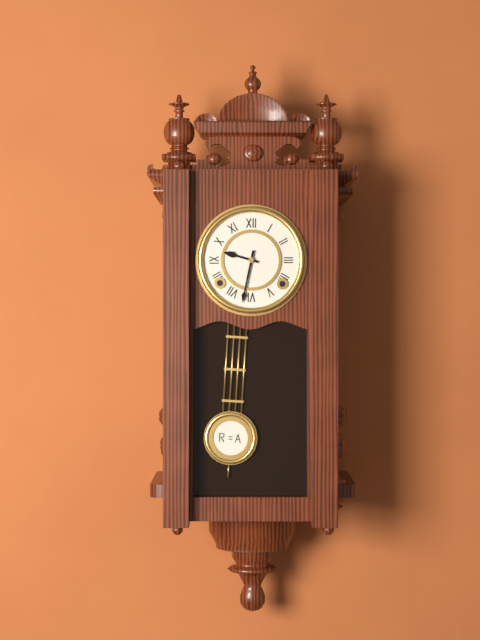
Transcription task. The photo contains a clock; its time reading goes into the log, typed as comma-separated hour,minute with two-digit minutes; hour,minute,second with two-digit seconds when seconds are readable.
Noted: 9,32
